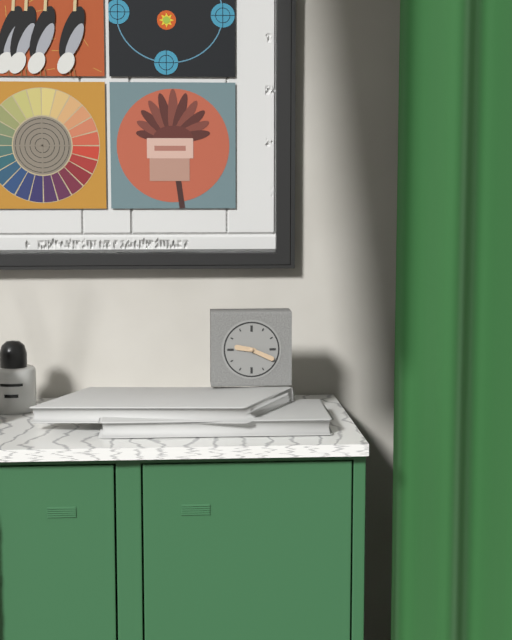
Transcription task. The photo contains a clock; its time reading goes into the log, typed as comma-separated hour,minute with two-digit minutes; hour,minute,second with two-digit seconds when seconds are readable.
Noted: 9,19
